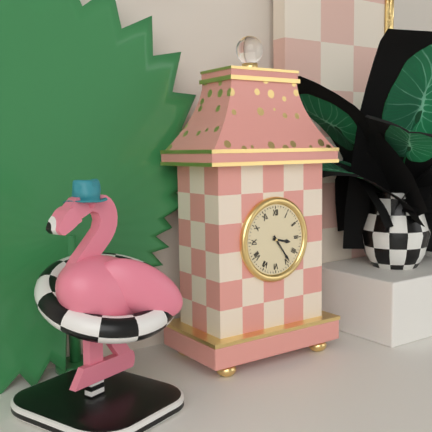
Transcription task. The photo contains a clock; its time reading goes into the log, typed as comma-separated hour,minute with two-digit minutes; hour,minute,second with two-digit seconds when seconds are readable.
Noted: 3,24
